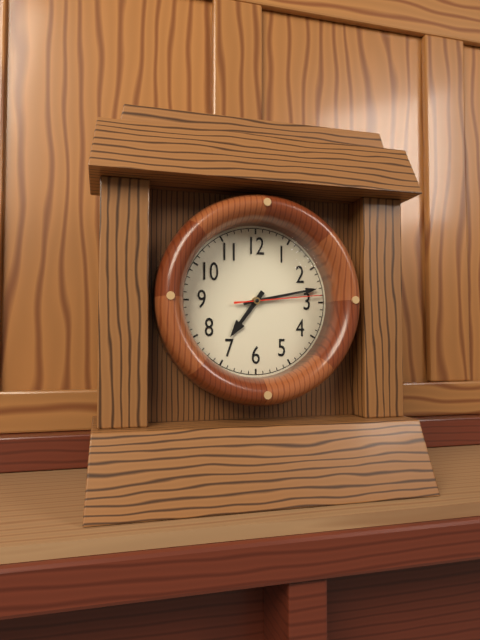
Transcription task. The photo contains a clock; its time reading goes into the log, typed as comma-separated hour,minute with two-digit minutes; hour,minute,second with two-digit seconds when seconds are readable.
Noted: 7,13,14
